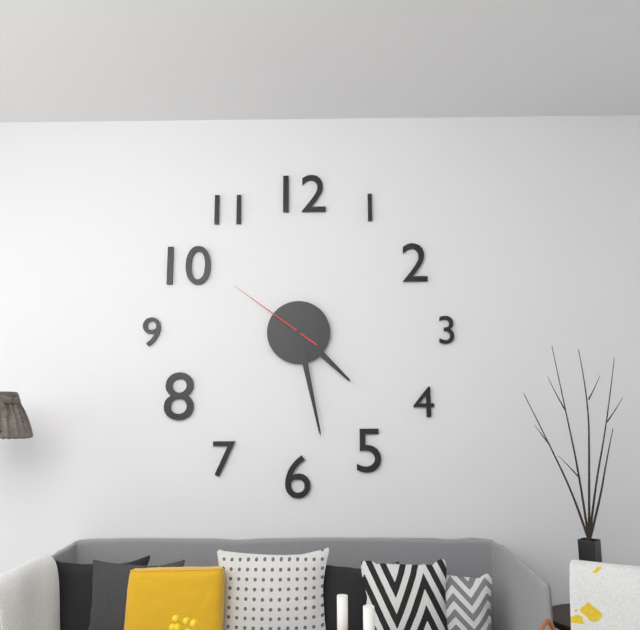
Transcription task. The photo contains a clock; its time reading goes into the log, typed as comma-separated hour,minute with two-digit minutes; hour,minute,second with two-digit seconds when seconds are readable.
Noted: 4,28,51
